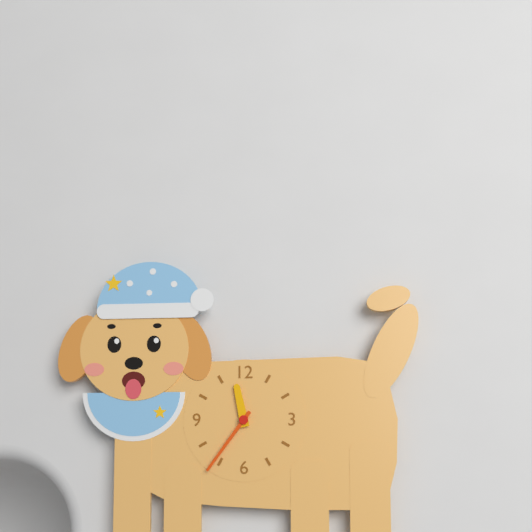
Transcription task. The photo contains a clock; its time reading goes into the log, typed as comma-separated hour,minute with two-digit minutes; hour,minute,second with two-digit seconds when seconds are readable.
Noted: 11,36
